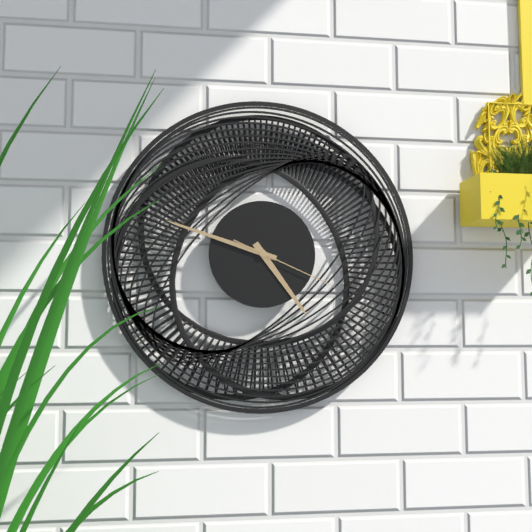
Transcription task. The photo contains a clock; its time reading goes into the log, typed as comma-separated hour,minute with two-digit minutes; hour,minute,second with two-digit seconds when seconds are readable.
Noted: 4,48,19
